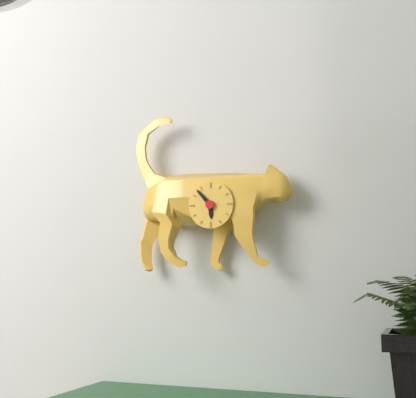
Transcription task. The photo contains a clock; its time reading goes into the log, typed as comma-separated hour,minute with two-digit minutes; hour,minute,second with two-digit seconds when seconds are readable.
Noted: 5,53
